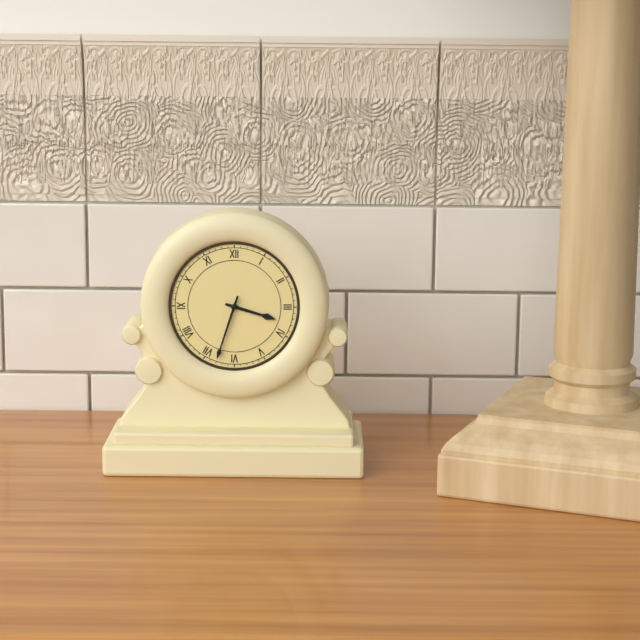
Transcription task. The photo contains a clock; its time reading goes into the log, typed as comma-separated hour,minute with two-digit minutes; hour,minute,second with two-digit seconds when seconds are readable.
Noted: 3,33
